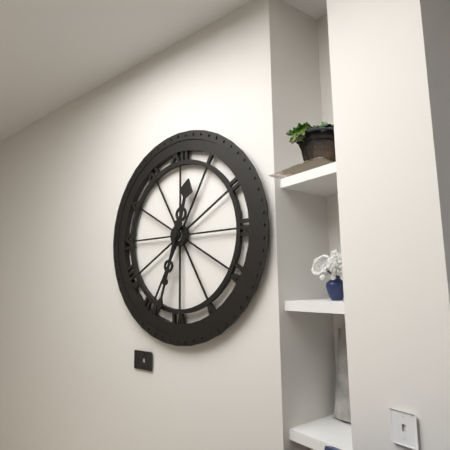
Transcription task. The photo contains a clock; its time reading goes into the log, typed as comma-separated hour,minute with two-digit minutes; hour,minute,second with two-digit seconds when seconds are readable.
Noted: 12,33
